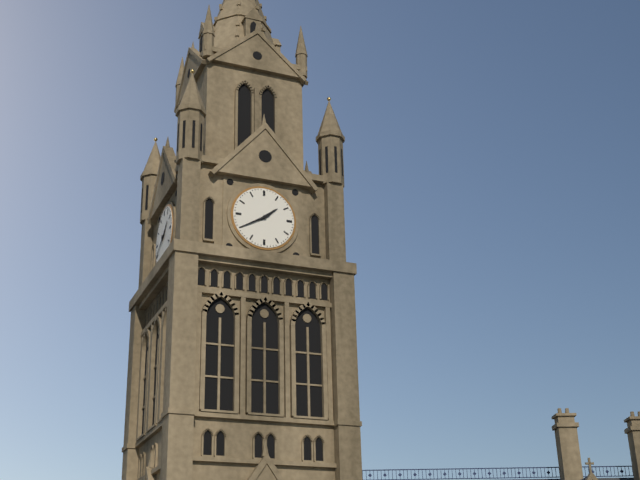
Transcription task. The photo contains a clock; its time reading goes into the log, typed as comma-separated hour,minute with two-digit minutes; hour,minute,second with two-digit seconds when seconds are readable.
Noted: 1,40
